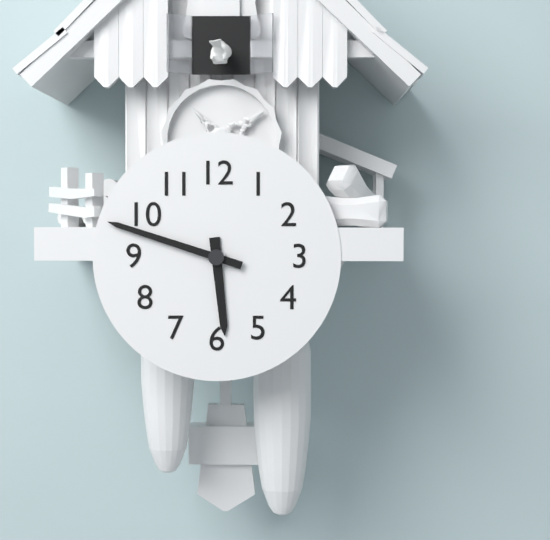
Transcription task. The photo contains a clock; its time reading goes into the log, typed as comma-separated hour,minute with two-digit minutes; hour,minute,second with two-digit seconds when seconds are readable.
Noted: 5,48
